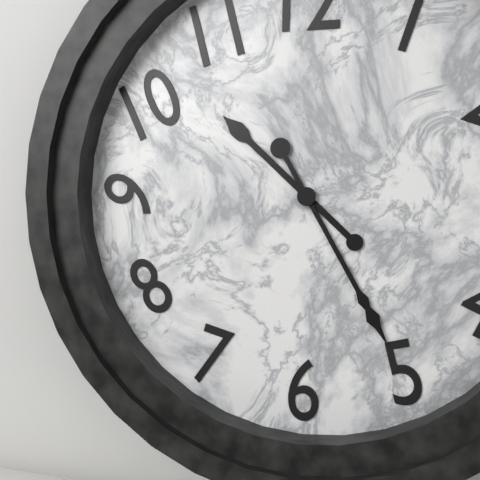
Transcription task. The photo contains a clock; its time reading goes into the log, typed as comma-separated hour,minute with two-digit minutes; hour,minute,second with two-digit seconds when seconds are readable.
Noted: 10,25
